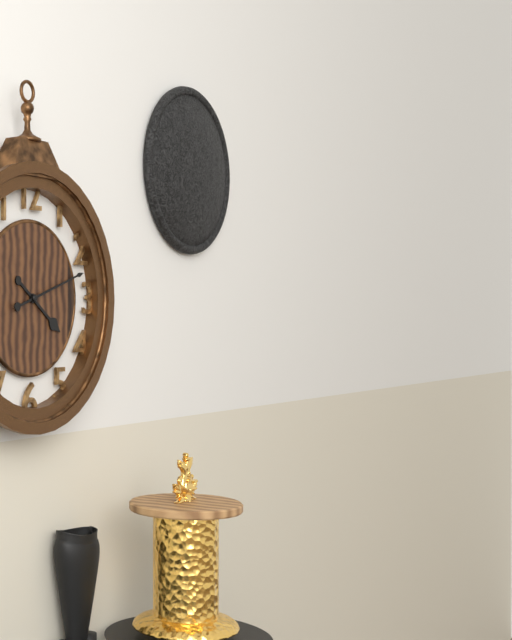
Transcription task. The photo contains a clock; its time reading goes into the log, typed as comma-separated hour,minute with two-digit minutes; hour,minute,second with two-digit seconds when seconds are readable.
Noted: 4,12
